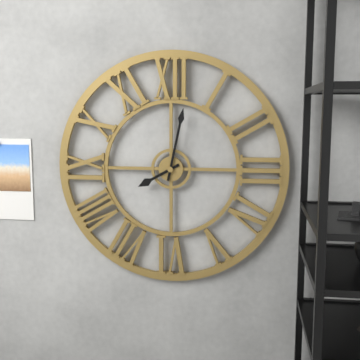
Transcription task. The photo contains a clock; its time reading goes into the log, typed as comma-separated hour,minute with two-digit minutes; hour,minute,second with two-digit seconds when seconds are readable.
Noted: 8,02
